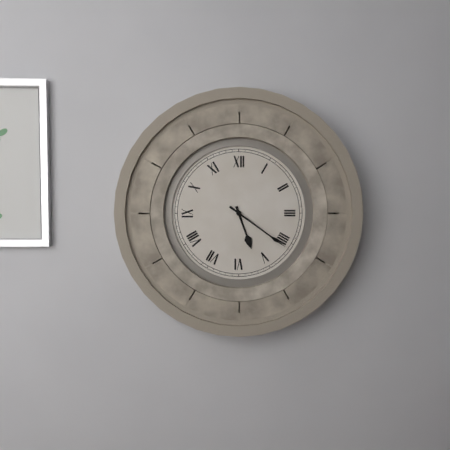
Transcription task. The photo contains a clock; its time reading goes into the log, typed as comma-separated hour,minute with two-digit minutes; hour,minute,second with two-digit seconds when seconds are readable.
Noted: 5,21
